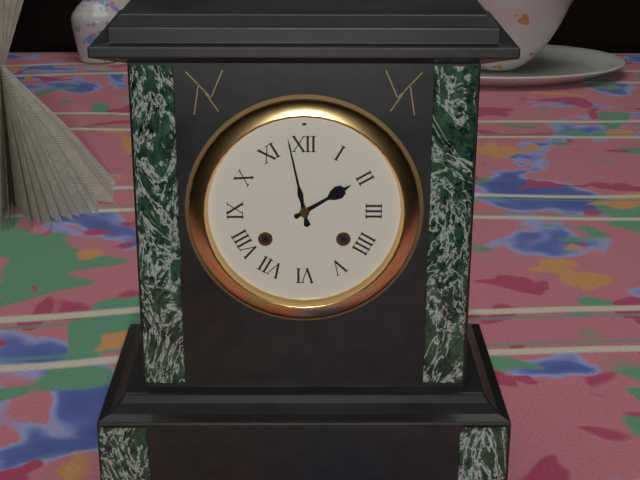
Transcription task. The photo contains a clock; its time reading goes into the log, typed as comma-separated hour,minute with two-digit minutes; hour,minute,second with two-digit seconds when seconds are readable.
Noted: 1,58
